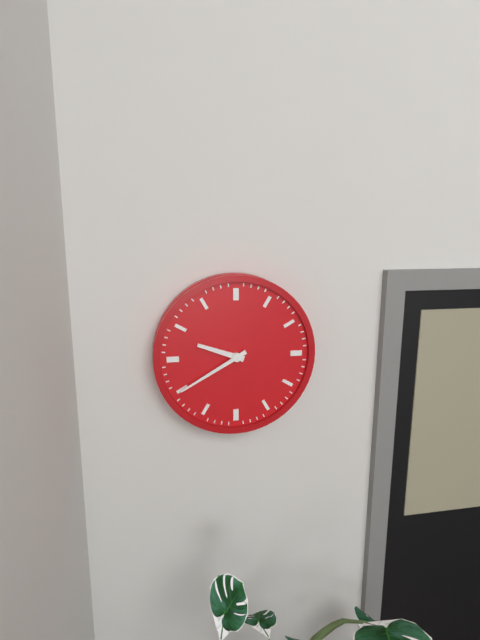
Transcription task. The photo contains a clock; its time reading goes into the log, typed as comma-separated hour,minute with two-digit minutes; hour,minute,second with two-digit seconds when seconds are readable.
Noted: 9,40
